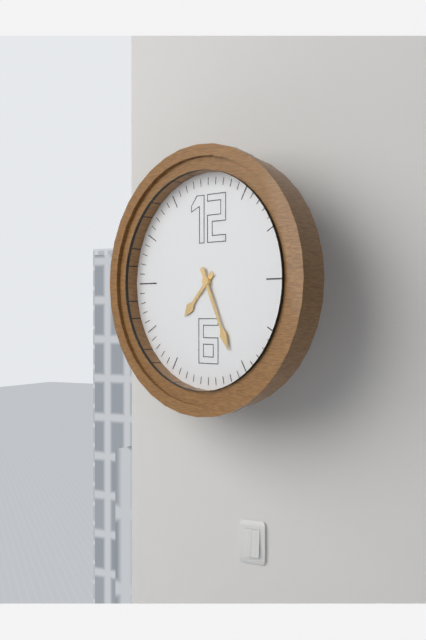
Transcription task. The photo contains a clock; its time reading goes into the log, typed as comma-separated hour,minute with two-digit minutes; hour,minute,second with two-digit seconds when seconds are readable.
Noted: 7,26
